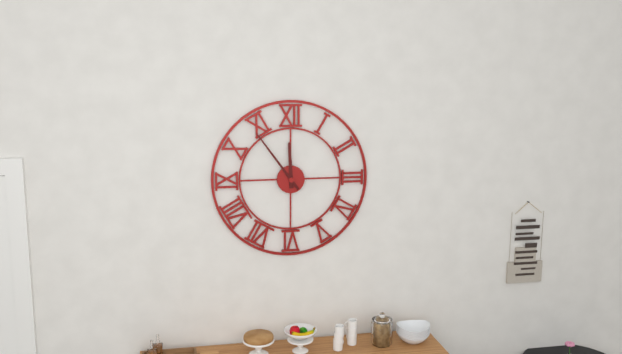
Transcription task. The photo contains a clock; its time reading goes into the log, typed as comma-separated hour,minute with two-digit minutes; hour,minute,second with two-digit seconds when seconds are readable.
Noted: 11,54
